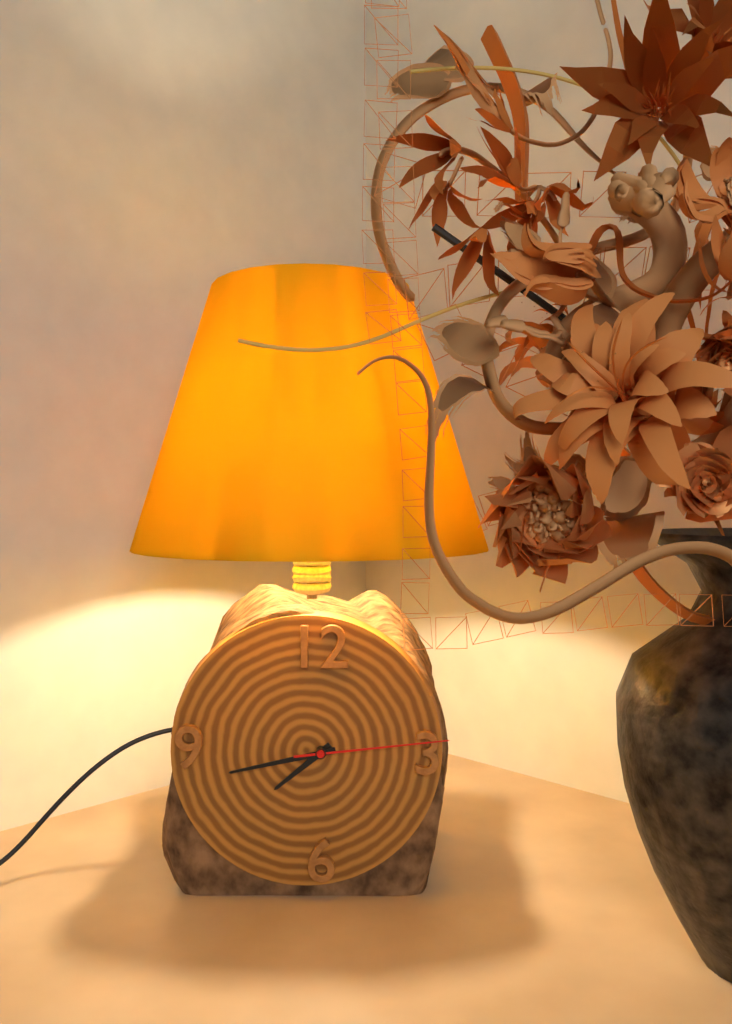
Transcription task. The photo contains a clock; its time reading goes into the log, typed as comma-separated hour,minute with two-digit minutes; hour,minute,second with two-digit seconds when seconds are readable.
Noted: 7,43,14
